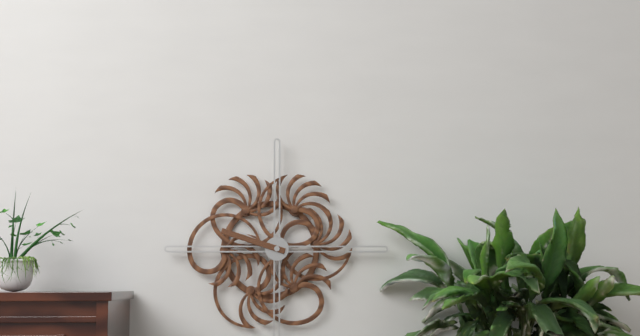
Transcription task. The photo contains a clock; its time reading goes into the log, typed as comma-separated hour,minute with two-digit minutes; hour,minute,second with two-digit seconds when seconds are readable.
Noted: 9,48
